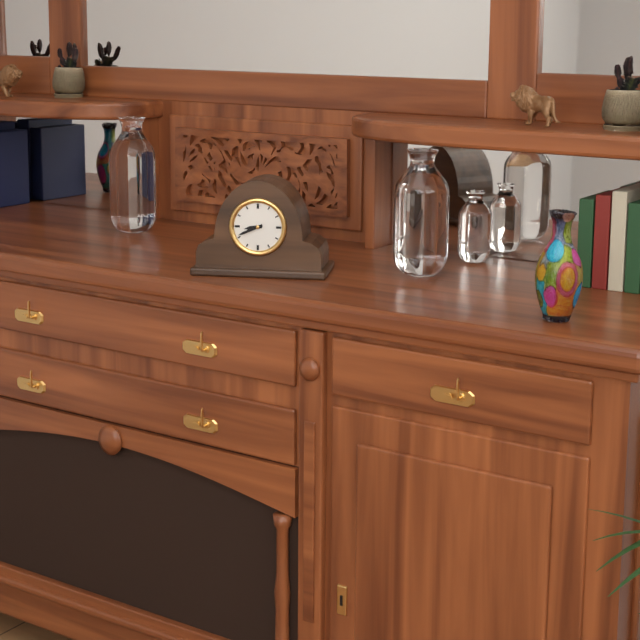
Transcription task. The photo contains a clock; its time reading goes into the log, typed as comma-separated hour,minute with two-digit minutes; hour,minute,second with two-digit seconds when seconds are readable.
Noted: 8,41
